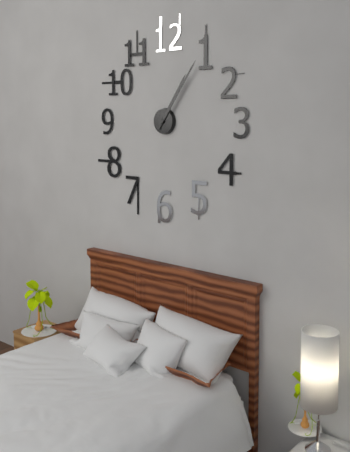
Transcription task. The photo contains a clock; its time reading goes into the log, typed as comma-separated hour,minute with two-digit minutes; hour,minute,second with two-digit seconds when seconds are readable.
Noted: 1,06
